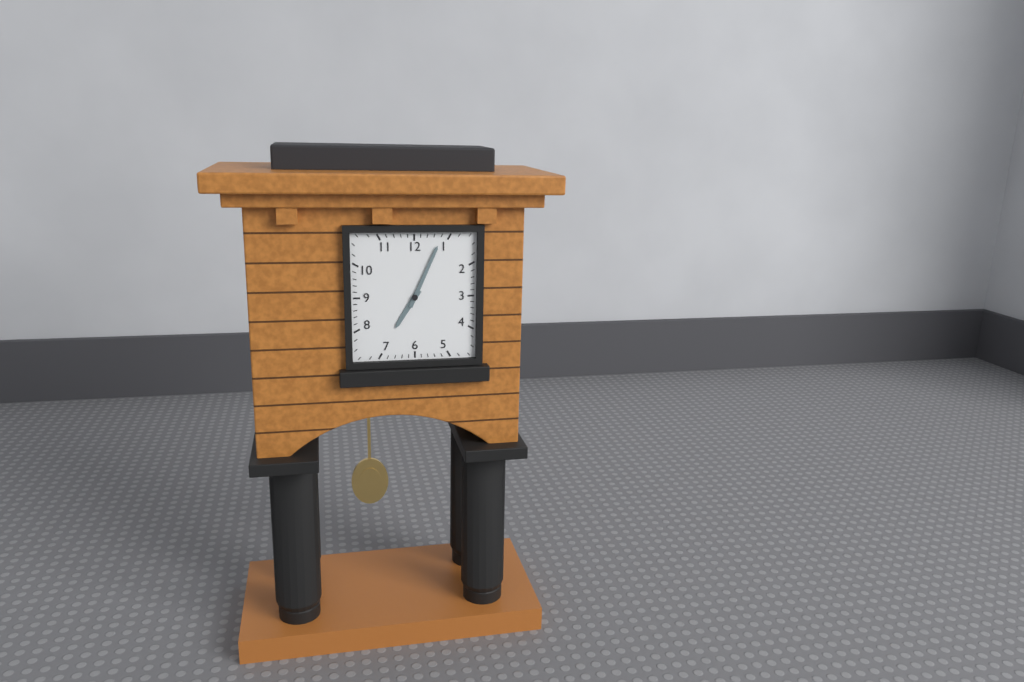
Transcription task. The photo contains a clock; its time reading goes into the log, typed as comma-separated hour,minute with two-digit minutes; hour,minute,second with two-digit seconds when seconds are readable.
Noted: 7,04
